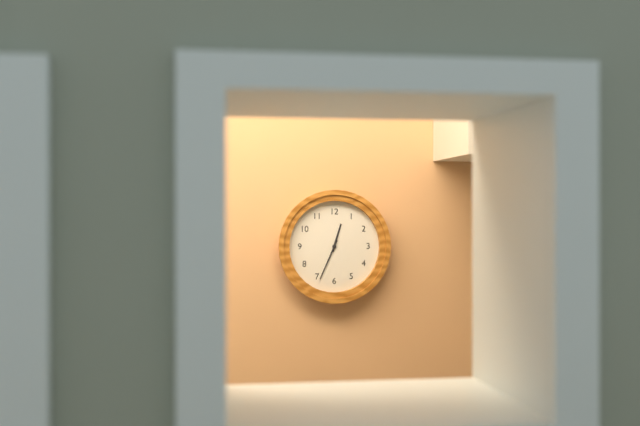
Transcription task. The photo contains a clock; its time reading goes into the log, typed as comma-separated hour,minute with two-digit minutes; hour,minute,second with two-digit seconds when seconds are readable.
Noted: 12,34
